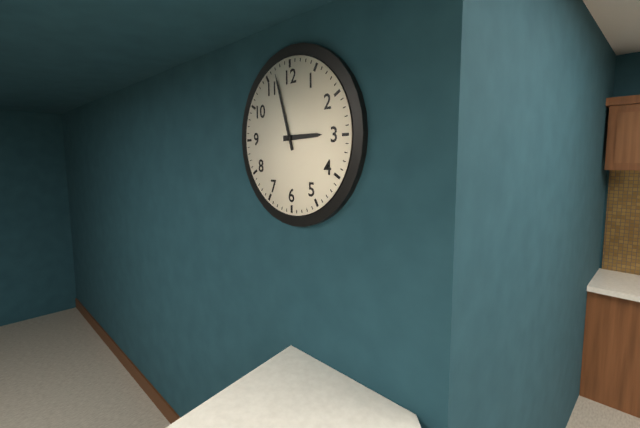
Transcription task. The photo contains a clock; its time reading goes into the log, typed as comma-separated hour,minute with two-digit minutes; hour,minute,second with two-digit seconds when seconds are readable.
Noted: 2,57
